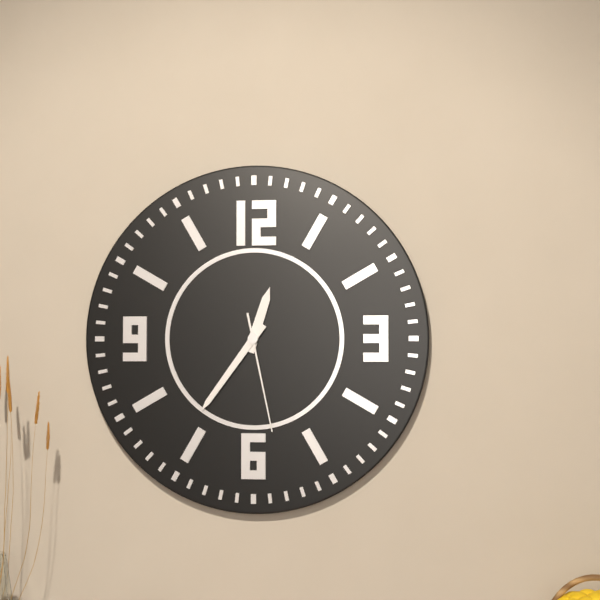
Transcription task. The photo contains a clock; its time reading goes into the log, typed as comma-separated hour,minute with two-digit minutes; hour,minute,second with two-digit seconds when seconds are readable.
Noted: 12,36,28
